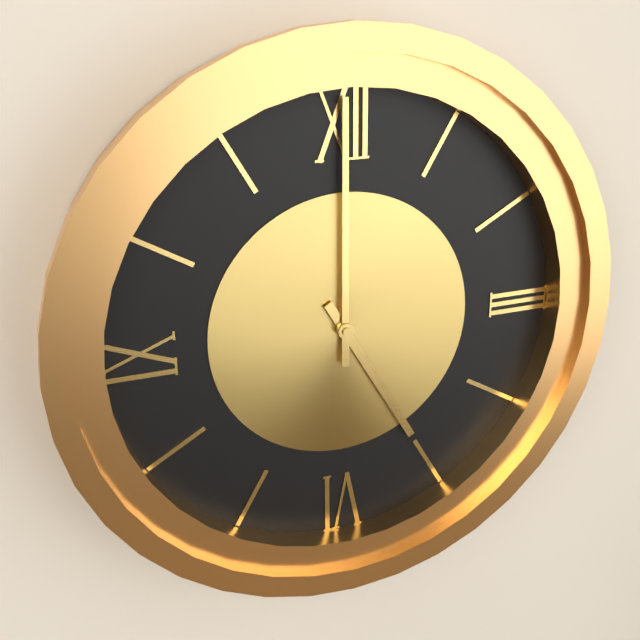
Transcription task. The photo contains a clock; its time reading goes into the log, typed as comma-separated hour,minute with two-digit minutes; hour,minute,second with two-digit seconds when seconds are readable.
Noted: 5,00
